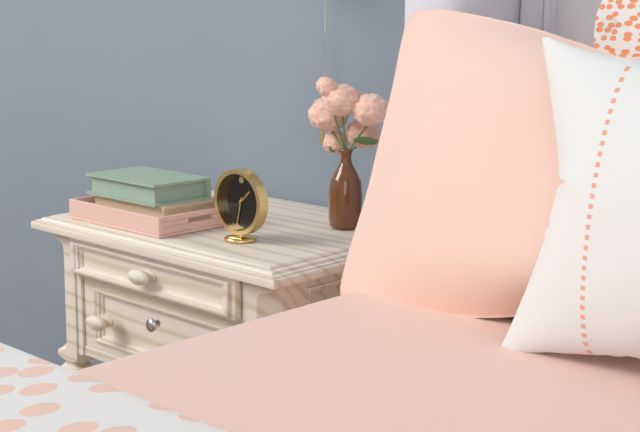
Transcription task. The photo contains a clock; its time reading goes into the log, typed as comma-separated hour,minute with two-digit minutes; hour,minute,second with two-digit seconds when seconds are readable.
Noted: 1,32
